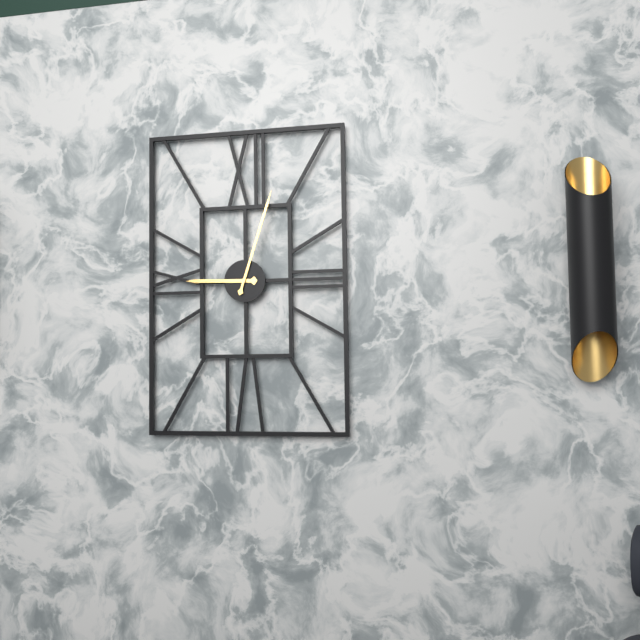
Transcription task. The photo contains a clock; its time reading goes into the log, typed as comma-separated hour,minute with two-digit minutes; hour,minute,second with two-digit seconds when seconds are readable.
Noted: 9,03
